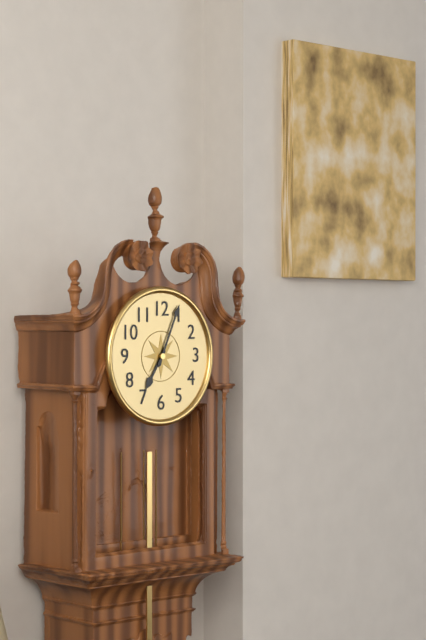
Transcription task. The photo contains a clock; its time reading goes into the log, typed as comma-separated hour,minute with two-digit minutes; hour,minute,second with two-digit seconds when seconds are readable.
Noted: 7,04
